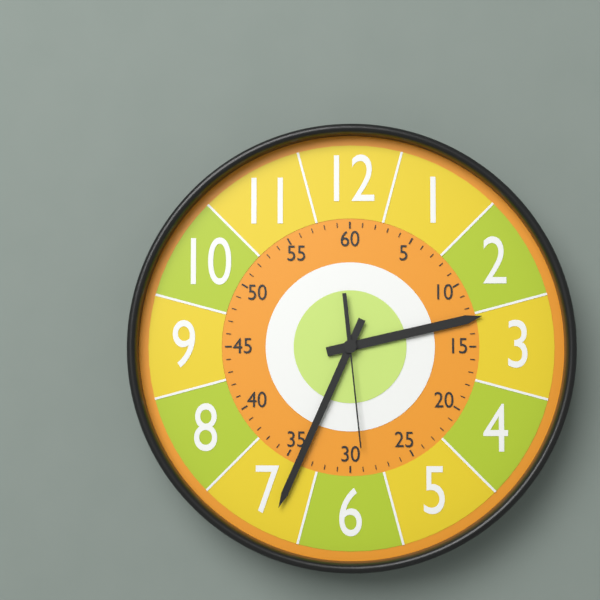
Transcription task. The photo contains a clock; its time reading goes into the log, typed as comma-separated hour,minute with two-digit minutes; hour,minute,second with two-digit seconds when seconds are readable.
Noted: 2,34,29
